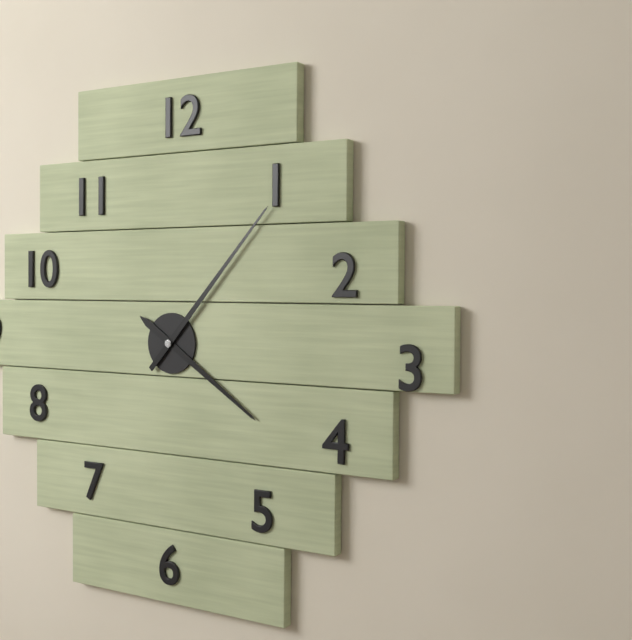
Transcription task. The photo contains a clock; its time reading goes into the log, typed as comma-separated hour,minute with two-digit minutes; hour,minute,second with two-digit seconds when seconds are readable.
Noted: 4,07
